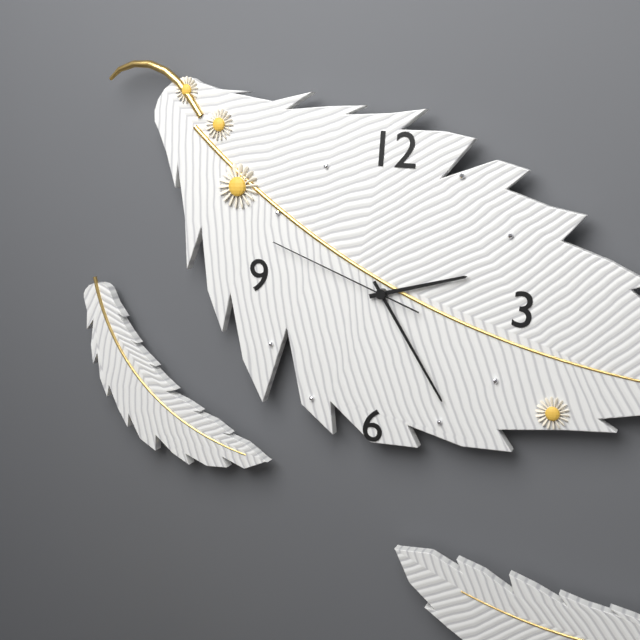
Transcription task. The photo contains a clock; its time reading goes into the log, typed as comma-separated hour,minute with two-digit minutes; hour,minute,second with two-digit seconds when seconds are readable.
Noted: 2,24,48
